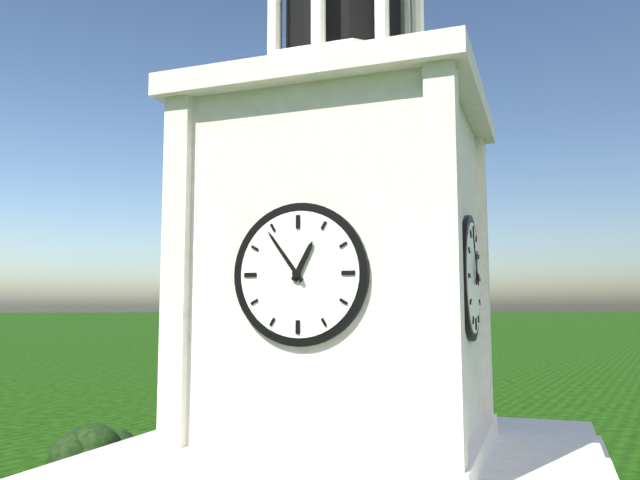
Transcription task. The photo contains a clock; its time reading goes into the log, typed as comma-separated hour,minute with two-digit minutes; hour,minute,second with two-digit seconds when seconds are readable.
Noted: 12,54
